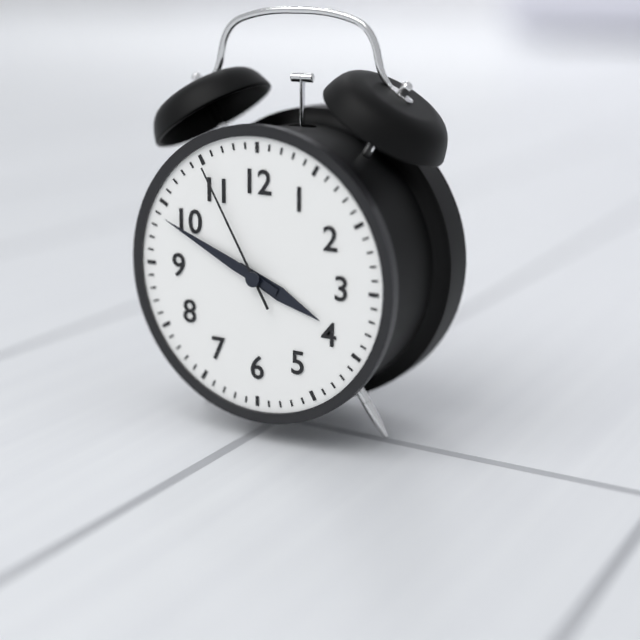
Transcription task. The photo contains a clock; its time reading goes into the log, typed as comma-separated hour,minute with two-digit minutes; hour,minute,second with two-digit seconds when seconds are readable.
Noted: 3,49,55
